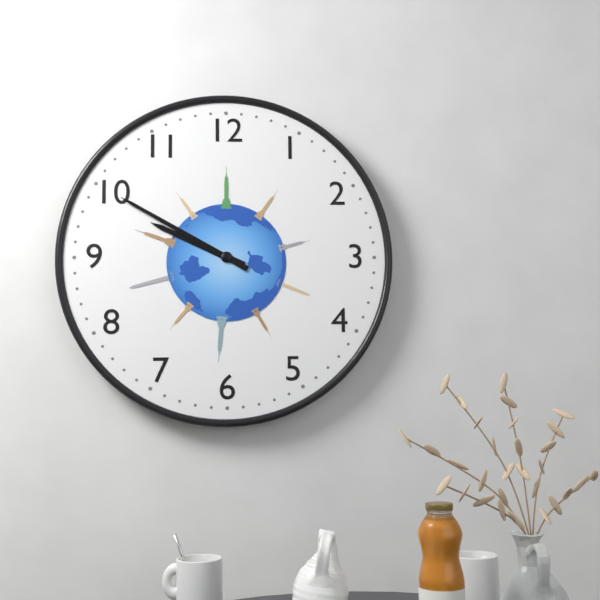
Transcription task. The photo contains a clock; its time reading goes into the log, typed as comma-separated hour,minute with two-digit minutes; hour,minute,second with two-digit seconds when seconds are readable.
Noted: 9,50
